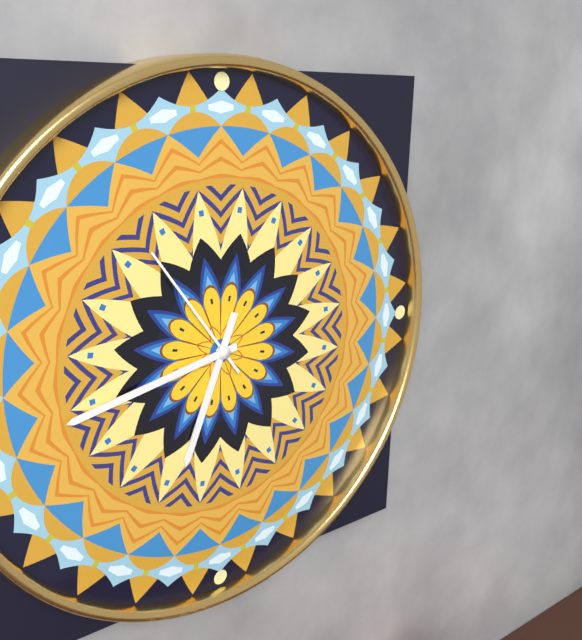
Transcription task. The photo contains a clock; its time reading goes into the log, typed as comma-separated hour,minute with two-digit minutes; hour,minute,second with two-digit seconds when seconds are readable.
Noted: 6,43,54
